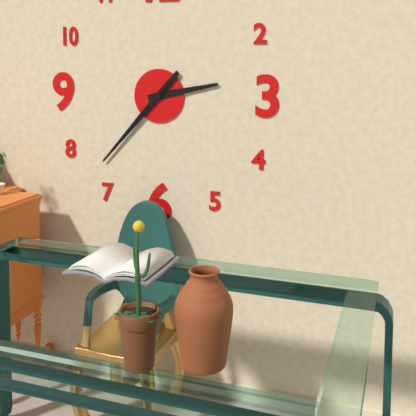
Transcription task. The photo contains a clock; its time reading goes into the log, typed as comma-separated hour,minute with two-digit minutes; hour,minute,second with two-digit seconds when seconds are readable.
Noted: 2,37,37
